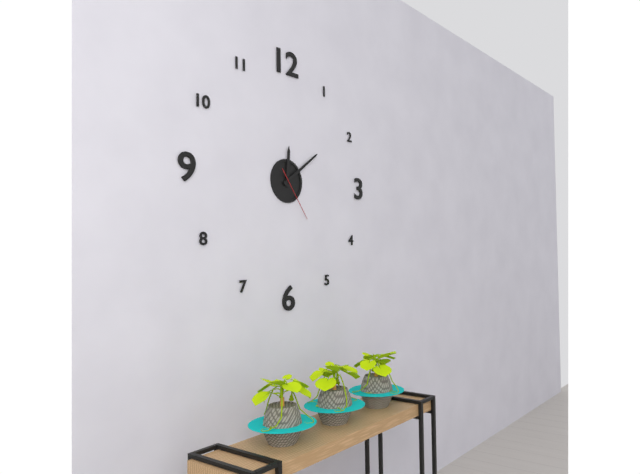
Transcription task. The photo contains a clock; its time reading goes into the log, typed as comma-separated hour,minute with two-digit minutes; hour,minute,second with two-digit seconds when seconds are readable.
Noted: 12,09,24
